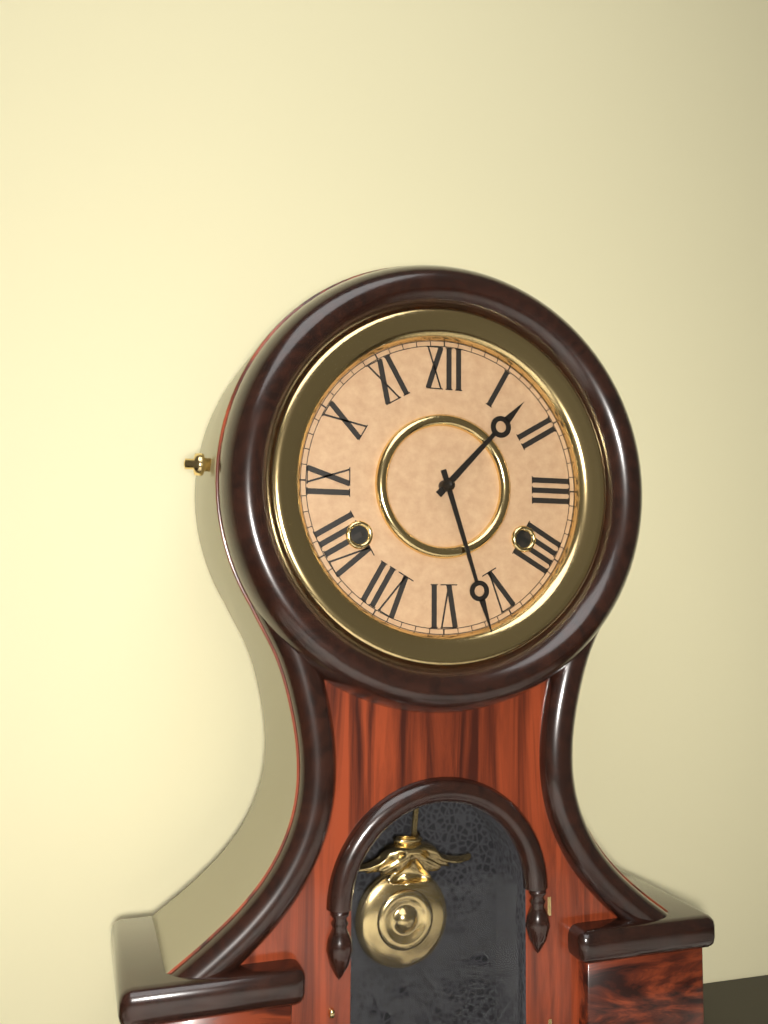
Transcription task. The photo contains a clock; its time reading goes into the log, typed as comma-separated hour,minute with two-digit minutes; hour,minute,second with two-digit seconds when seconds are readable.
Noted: 1,27
